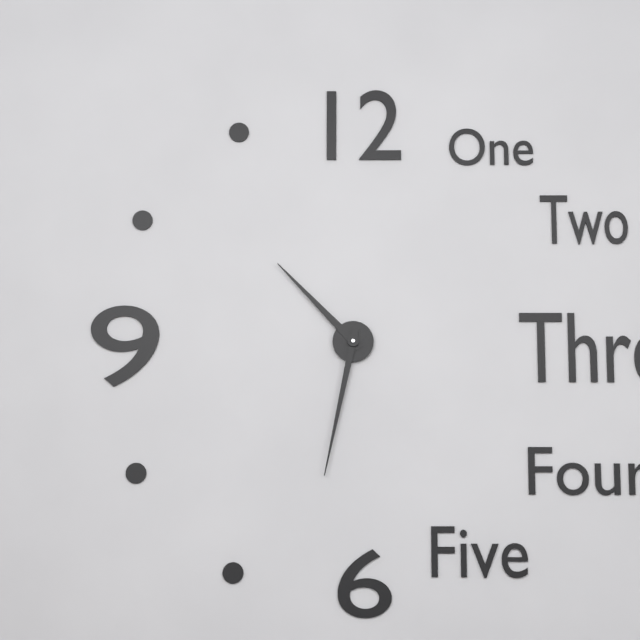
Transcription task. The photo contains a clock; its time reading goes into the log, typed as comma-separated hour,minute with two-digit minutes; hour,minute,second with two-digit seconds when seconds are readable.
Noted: 10,32
